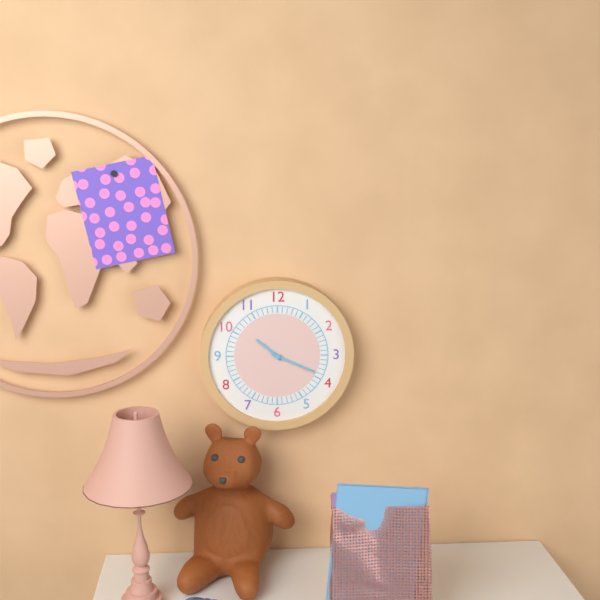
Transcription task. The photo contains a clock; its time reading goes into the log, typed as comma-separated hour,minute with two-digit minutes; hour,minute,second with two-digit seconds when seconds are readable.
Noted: 10,19
